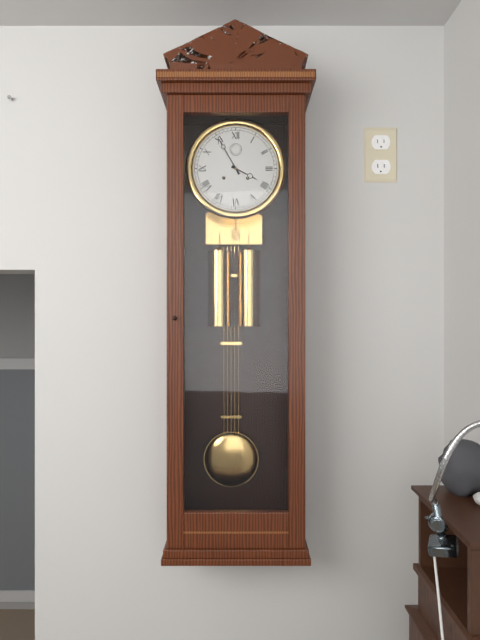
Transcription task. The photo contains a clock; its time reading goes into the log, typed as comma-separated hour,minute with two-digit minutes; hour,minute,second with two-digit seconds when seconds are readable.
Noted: 3,55
